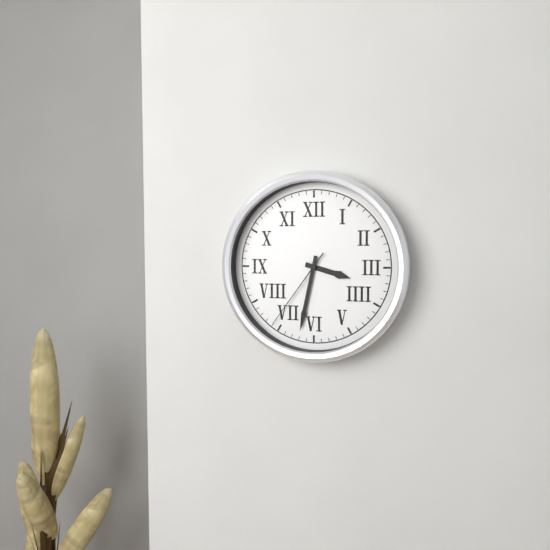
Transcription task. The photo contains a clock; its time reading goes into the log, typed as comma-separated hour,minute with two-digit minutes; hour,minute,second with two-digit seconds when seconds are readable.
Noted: 3,32,36
